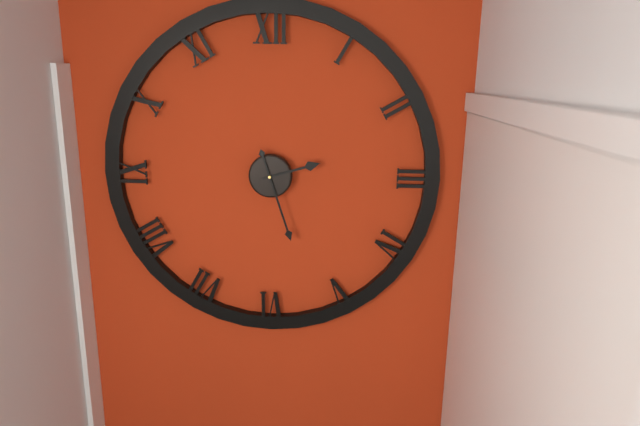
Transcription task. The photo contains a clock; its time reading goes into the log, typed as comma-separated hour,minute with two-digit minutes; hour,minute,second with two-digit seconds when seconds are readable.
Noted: 2,27
